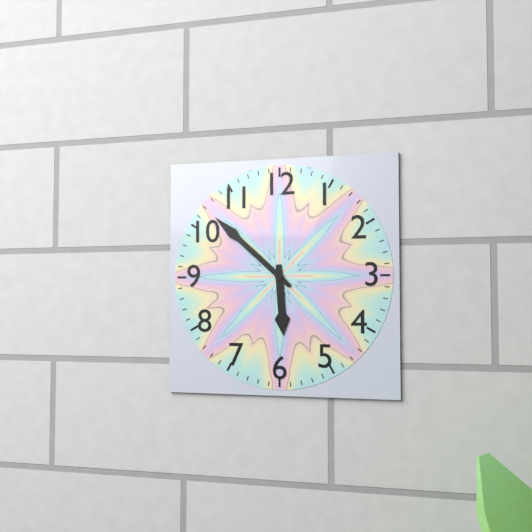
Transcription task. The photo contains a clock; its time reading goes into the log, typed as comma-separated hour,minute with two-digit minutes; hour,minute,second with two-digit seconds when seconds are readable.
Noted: 5,52
